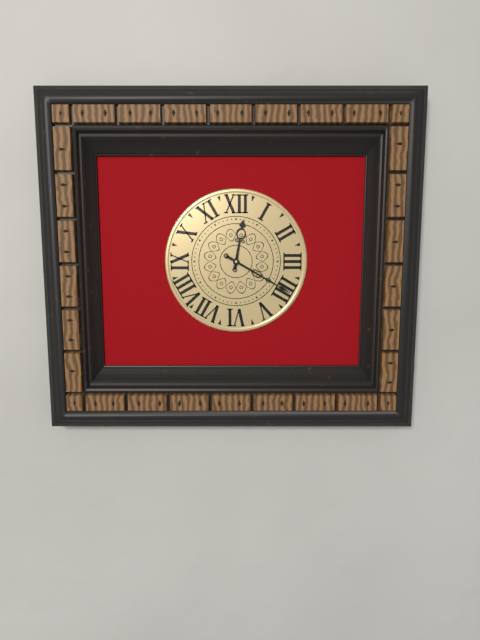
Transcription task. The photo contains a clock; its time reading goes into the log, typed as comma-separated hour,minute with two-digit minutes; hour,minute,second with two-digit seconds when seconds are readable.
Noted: 12,20
